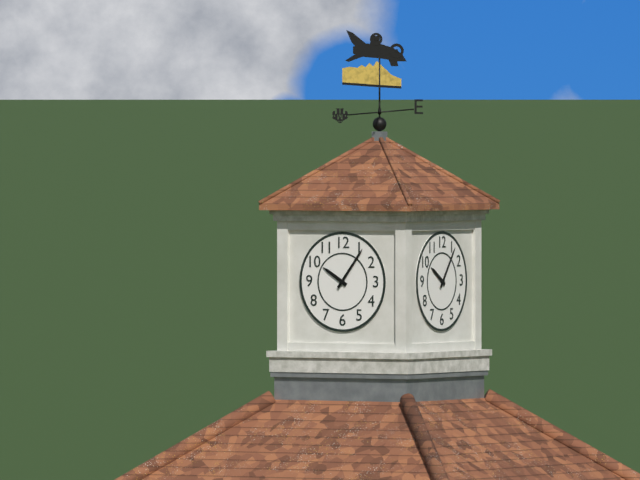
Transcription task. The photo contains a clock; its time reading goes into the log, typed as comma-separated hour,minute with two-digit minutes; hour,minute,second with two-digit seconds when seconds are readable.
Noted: 10,06
